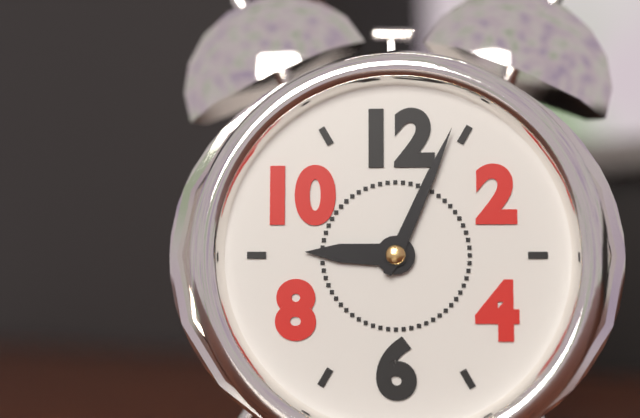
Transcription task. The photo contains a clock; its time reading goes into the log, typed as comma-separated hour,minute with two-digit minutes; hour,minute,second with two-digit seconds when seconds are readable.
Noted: 9,04
